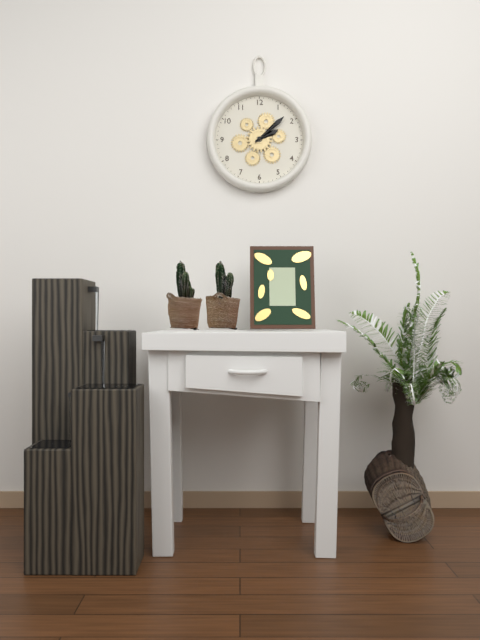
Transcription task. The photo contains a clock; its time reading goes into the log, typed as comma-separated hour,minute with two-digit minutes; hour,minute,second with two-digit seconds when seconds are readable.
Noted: 2,08
